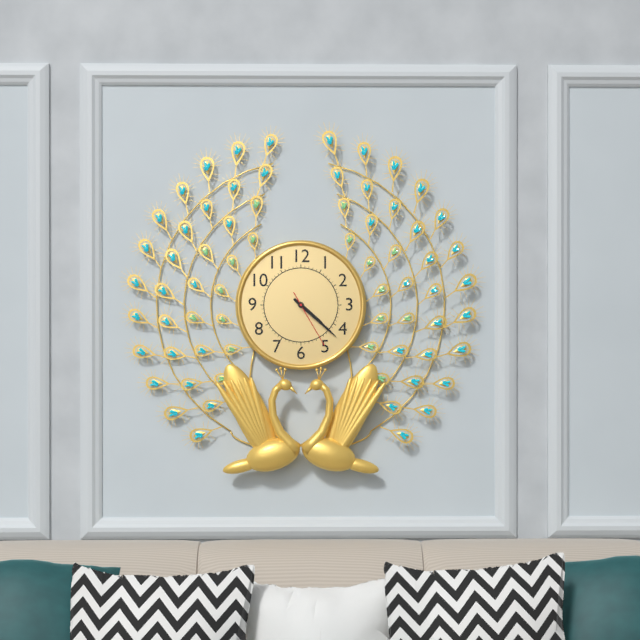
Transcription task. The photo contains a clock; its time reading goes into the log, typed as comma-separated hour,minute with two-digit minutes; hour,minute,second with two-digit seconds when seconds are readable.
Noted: 4,22,25
